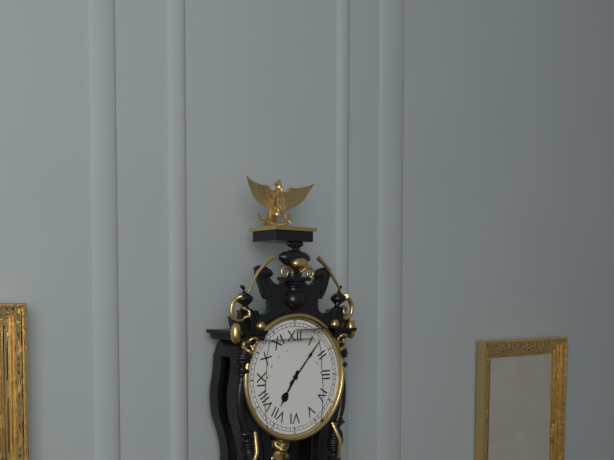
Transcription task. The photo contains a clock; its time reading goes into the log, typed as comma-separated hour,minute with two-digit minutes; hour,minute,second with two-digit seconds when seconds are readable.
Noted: 7,07
